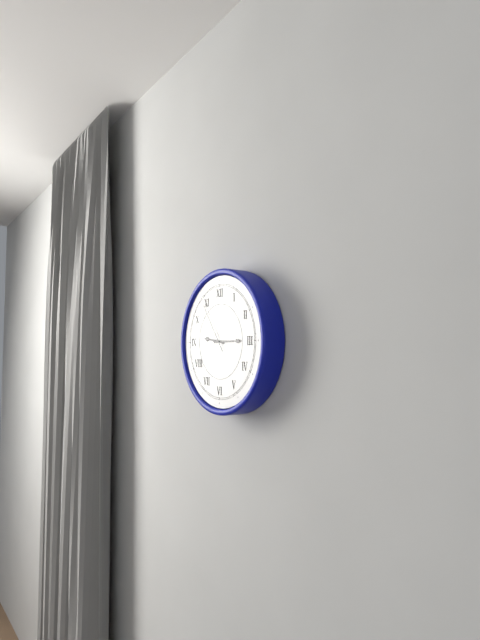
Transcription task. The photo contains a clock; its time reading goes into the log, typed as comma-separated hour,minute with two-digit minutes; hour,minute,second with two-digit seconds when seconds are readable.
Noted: 9,15,54
